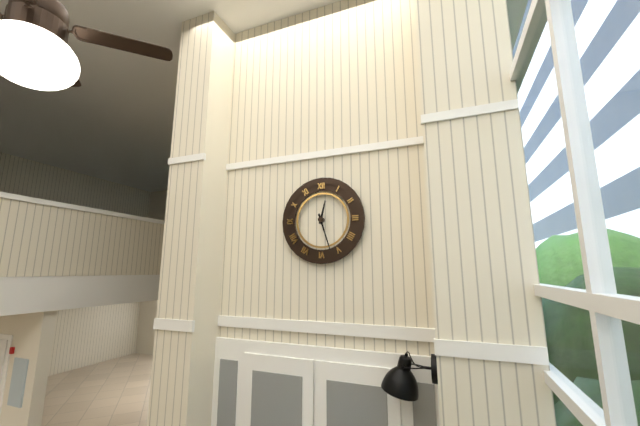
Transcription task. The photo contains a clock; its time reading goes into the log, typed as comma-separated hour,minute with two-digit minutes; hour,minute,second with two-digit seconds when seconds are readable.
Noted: 12,27
